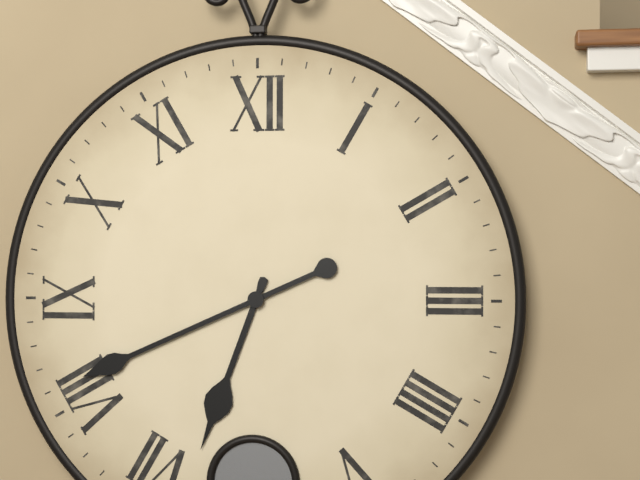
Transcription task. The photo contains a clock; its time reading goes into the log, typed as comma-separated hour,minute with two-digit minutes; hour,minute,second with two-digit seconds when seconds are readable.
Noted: 6,41
